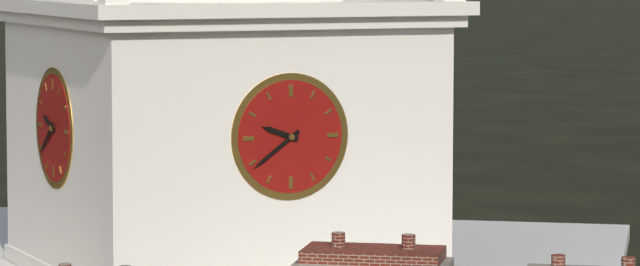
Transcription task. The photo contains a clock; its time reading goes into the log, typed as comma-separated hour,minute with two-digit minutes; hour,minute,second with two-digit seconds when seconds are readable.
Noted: 9,39
